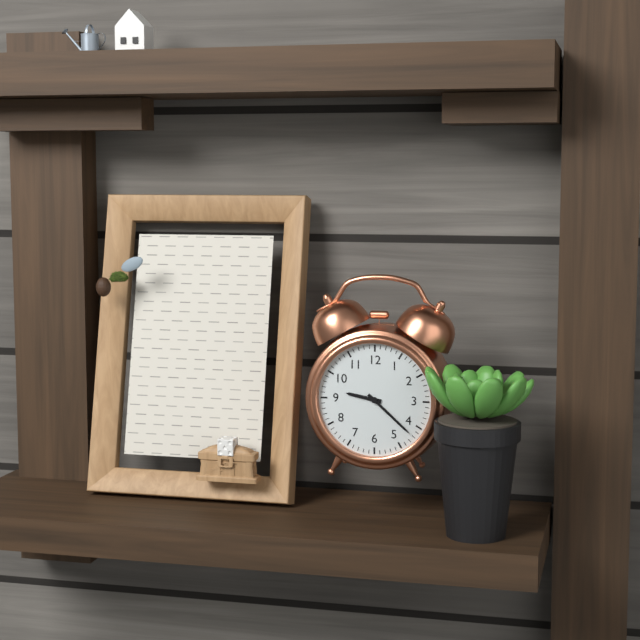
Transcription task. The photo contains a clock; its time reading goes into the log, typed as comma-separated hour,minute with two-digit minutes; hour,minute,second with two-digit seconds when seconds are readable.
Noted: 9,22
